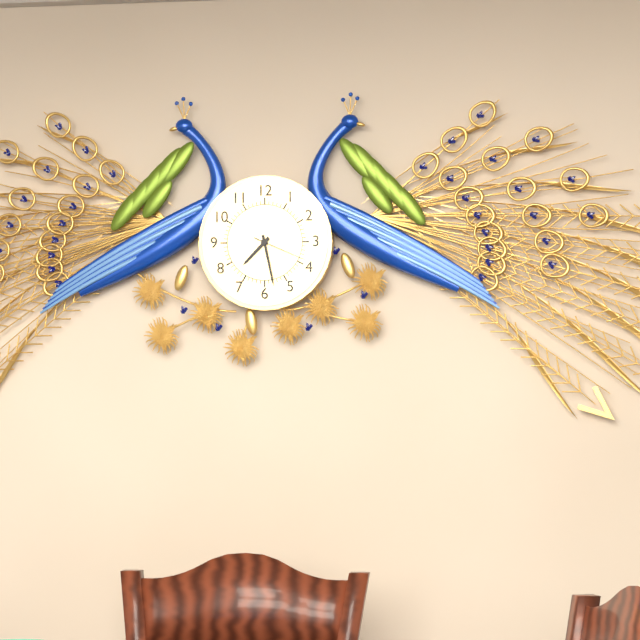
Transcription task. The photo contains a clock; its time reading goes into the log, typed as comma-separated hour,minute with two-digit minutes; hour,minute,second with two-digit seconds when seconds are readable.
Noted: 7,28,19
